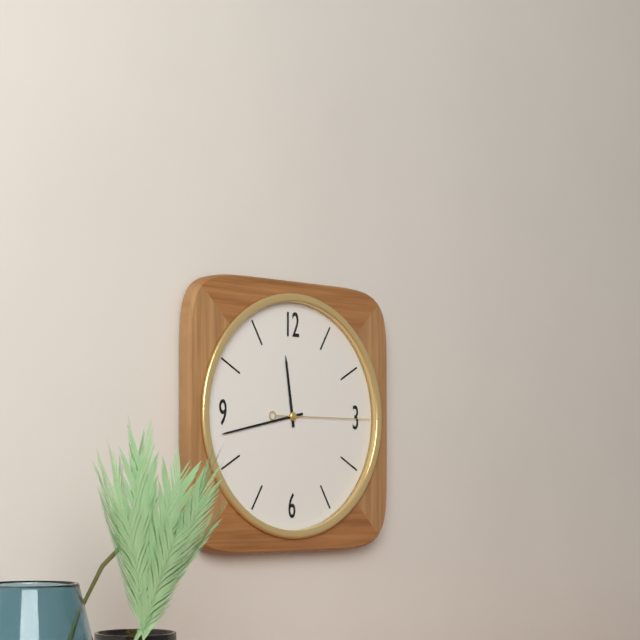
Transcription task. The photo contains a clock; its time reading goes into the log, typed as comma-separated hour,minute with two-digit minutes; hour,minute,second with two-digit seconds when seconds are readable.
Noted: 11,43,15
